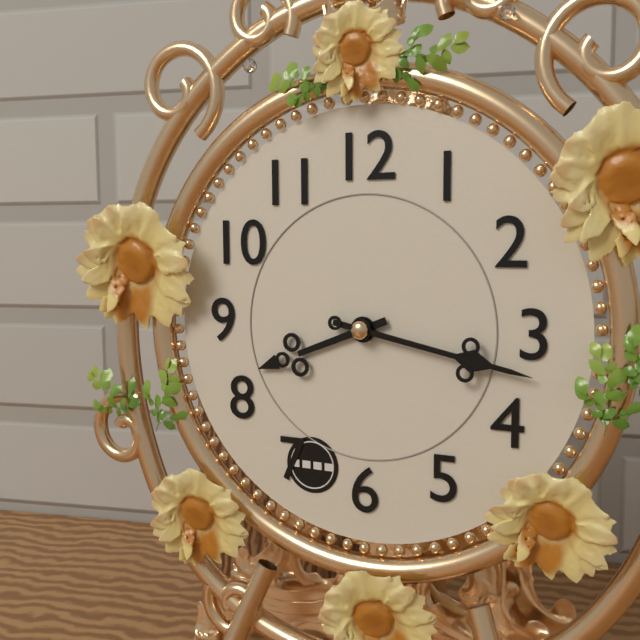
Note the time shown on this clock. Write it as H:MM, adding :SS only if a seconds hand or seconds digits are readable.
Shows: 8:17
